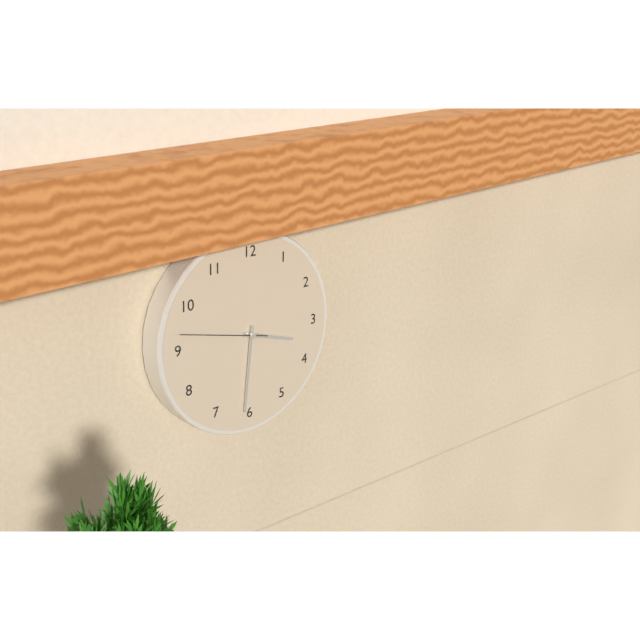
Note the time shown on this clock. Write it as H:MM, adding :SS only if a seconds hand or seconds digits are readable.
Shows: 3:31:47
